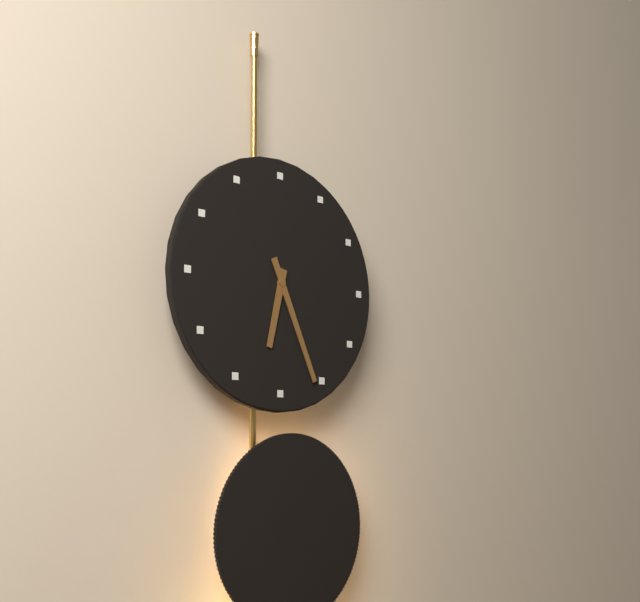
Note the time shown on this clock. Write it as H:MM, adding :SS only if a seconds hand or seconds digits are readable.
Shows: 6:26
